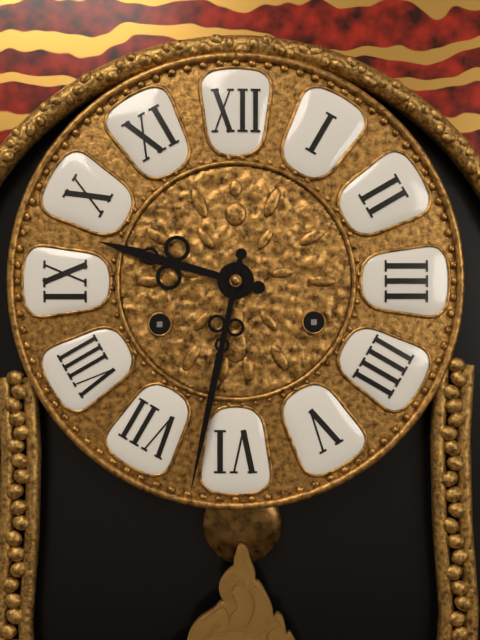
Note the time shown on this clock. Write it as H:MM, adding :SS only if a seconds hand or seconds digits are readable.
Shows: 9:32
